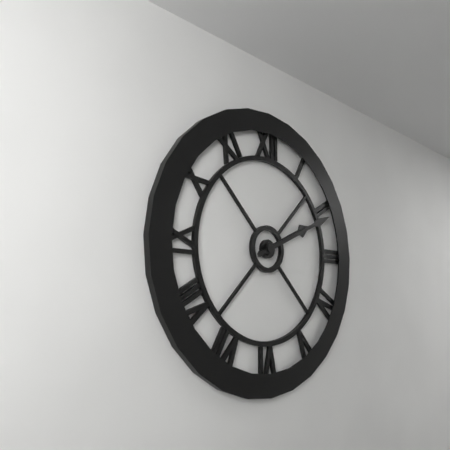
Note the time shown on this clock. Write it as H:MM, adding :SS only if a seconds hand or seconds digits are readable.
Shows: 2:11
